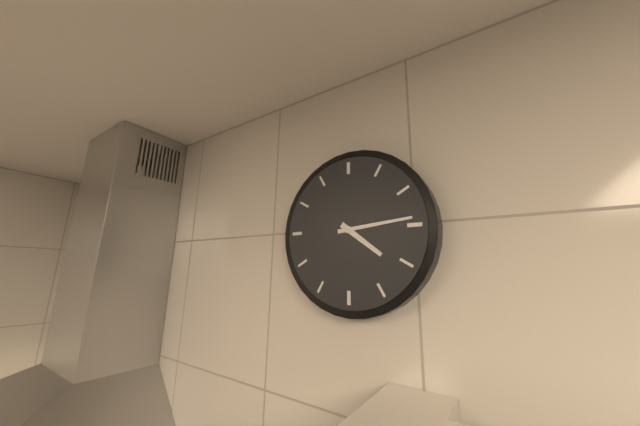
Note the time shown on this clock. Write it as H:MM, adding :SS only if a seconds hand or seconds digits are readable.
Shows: 4:14
